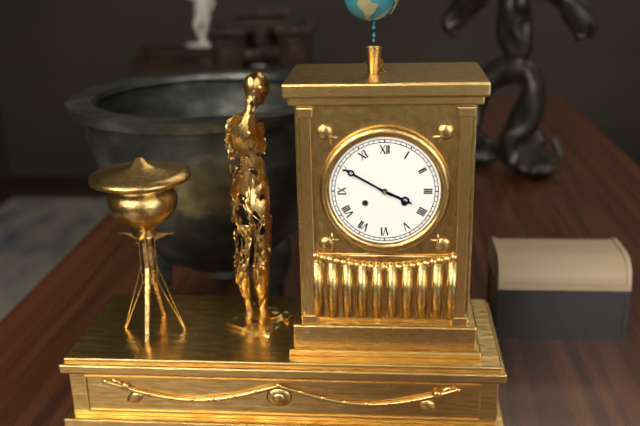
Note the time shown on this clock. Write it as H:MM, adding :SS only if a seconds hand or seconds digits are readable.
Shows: 3:50
